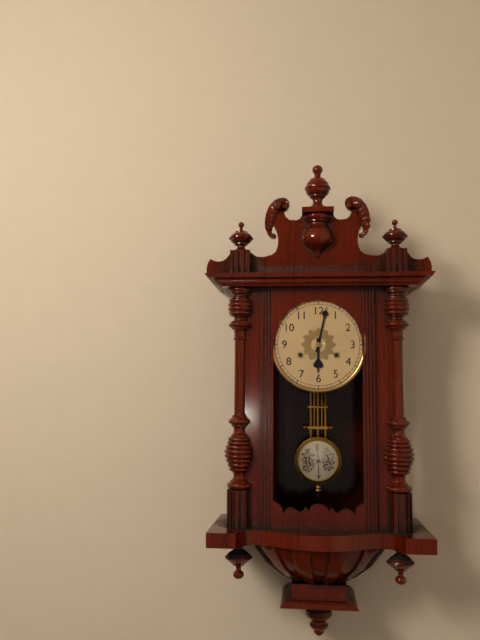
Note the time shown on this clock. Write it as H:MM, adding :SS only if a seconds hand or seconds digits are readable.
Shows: 6:02
